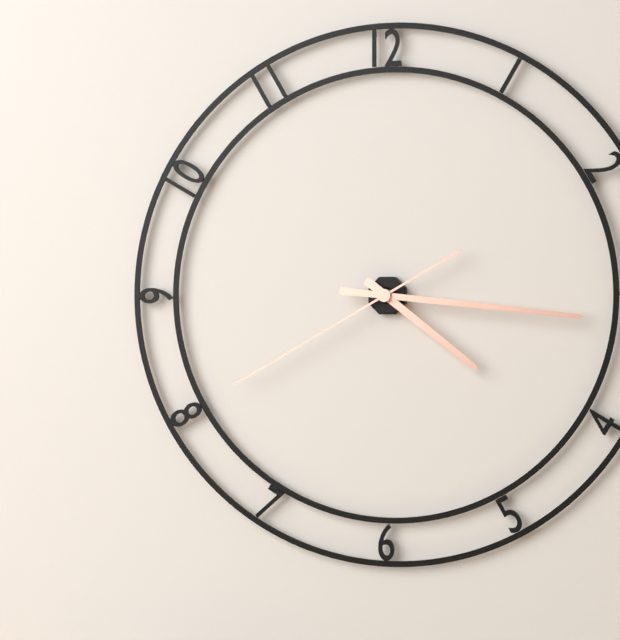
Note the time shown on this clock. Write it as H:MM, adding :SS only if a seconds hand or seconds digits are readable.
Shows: 4:16:40
